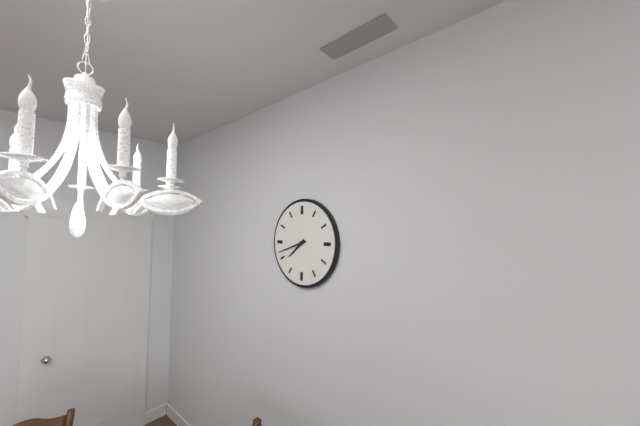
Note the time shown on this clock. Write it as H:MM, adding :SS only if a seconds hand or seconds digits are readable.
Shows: 7:42
